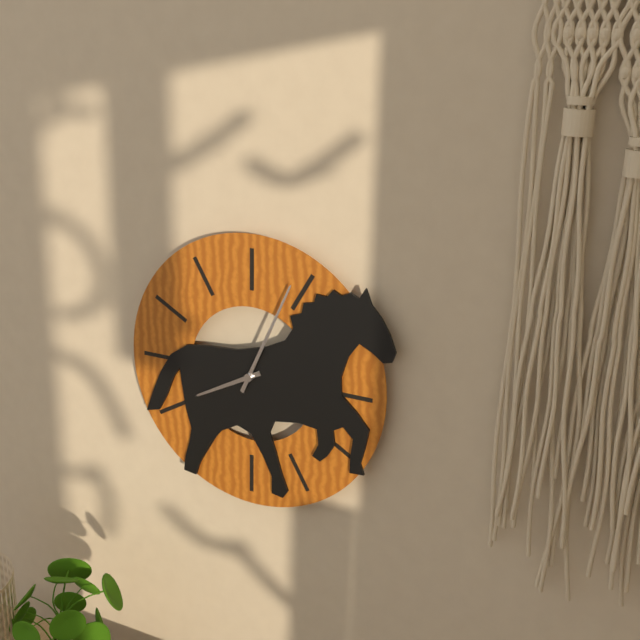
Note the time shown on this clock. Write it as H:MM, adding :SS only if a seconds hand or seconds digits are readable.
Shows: 8:04
